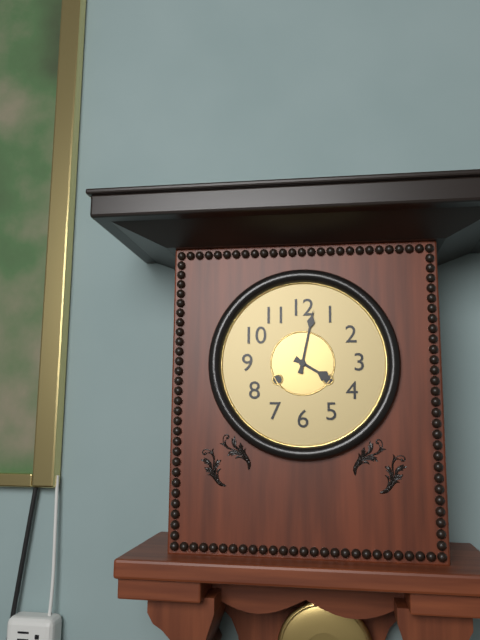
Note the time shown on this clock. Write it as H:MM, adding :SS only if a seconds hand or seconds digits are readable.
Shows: 4:02
